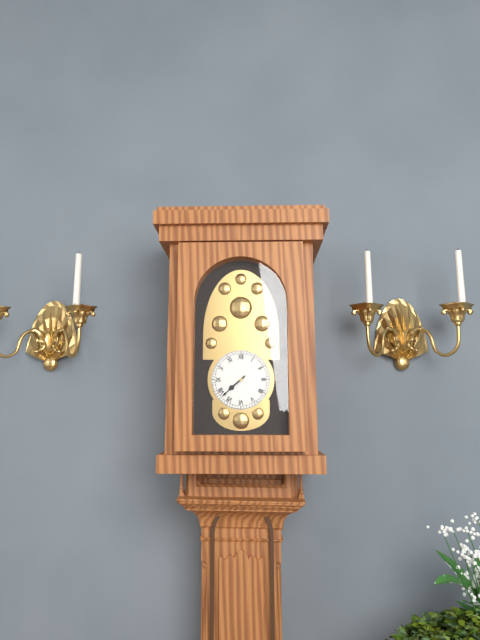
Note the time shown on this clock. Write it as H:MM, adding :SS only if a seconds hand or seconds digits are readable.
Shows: 7:38
